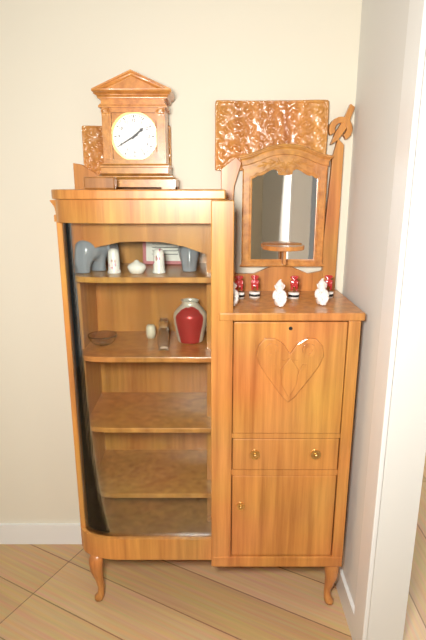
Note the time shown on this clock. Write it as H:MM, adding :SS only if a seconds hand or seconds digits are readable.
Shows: 1:40
